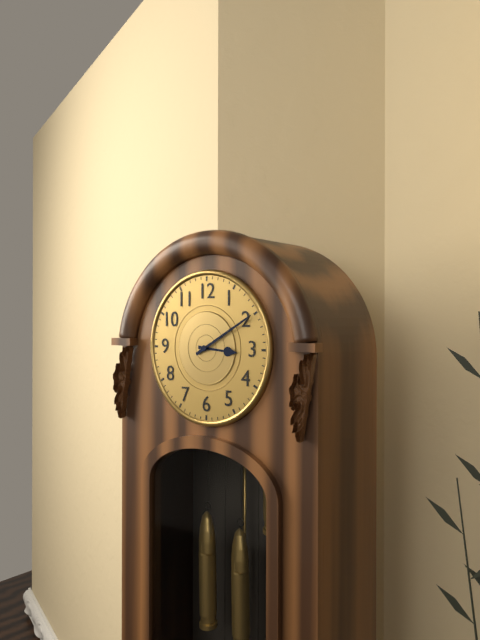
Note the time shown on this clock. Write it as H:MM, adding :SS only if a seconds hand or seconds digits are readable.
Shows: 3:10
